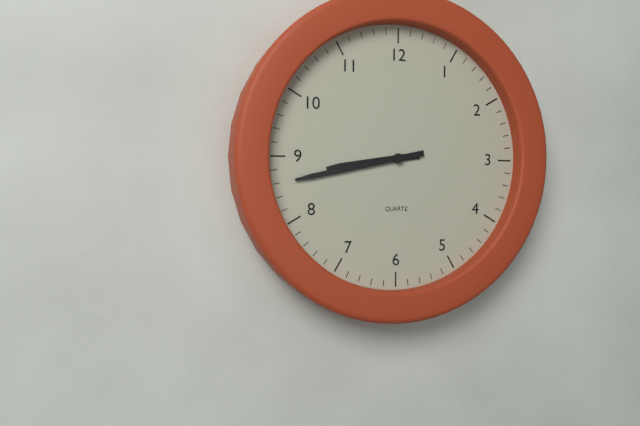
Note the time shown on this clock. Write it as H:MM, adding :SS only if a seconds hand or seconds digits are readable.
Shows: 8:43
